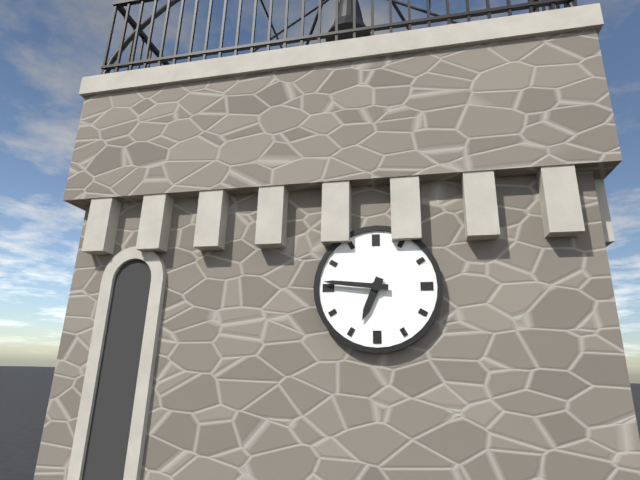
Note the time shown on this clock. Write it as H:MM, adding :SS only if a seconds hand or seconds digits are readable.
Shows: 6:46
